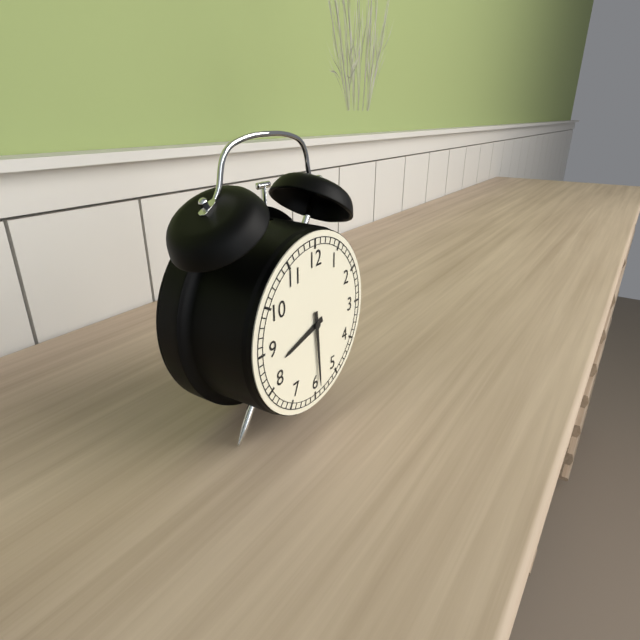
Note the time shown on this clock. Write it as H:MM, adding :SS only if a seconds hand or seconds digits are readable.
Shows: 8:29
